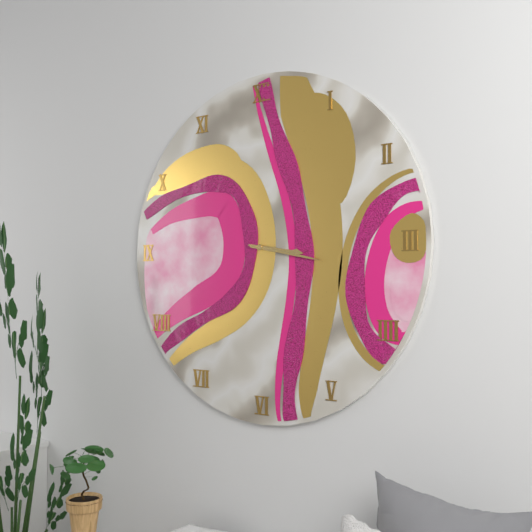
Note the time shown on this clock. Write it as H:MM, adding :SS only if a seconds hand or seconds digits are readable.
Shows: 3:17
